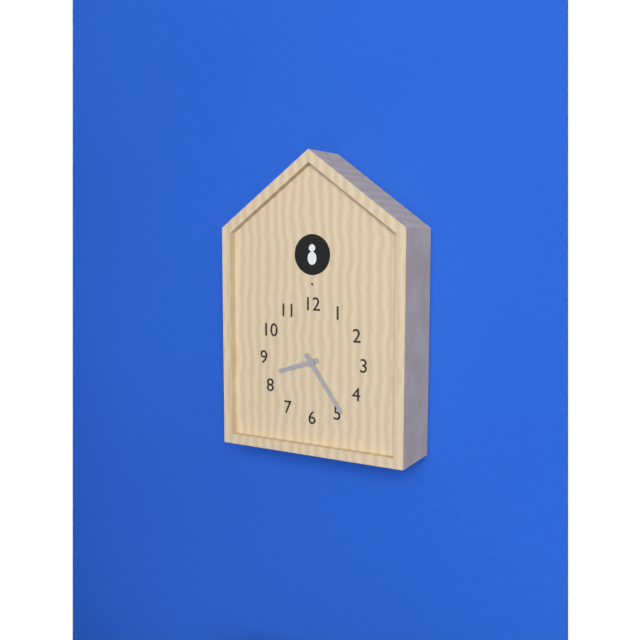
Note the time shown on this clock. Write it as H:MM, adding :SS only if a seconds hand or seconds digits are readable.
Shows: 8:24
